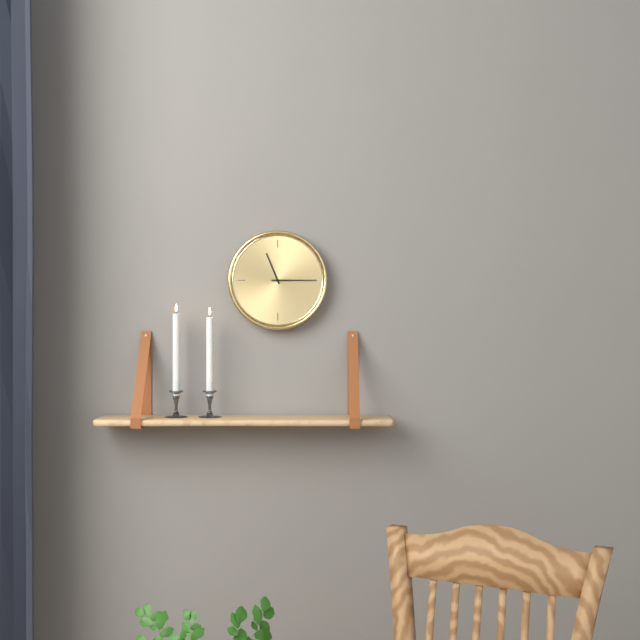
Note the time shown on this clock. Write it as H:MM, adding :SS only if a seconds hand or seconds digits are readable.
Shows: 11:15
